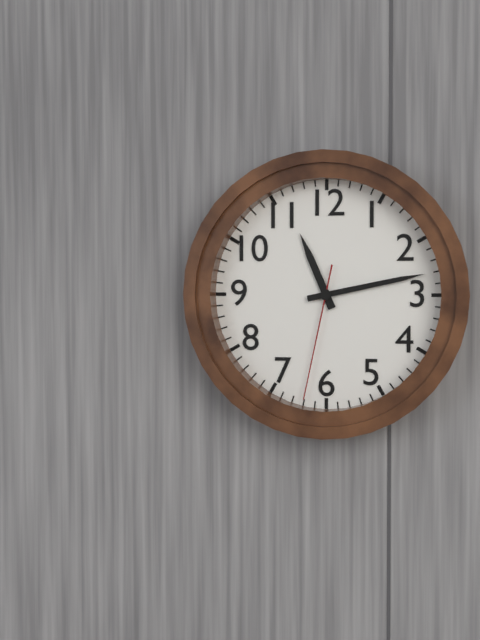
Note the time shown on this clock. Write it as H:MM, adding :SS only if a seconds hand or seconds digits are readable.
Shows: 11:13:32
